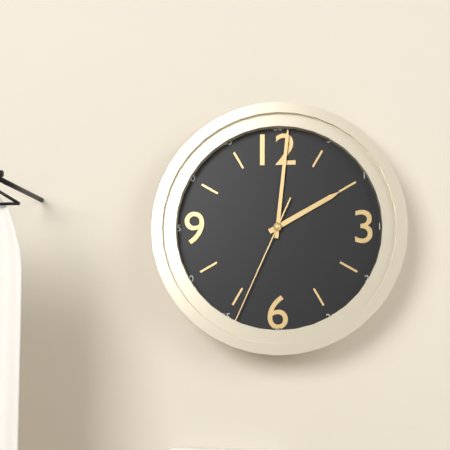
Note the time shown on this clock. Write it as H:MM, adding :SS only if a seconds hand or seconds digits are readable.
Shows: 2:01:34
